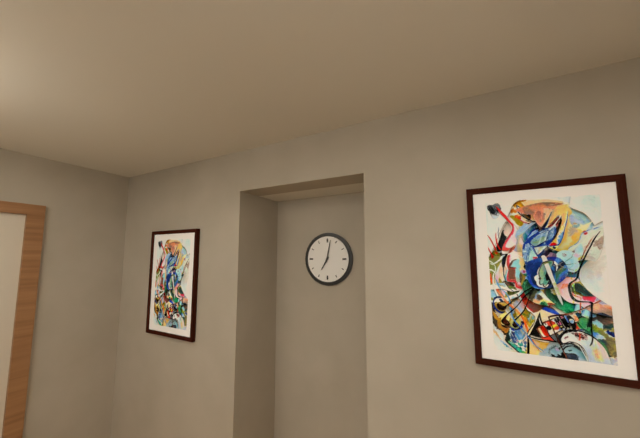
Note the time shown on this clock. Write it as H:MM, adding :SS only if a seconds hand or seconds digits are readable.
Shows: 7:02
